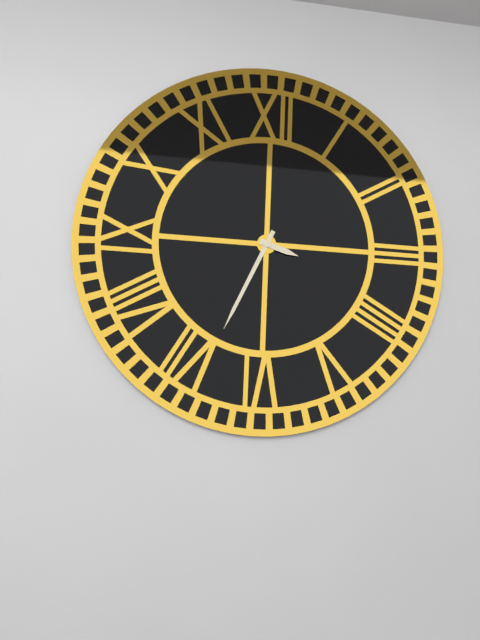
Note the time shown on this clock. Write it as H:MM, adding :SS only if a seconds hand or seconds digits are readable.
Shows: 3:34
